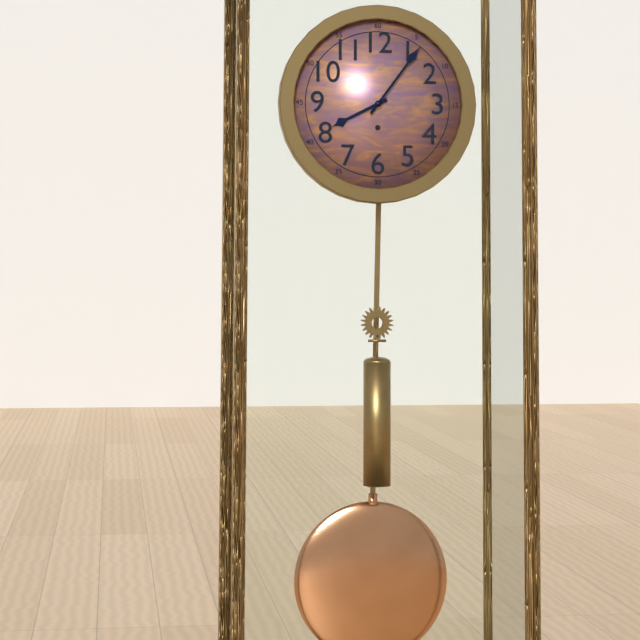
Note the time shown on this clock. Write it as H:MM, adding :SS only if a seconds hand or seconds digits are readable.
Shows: 8:06
